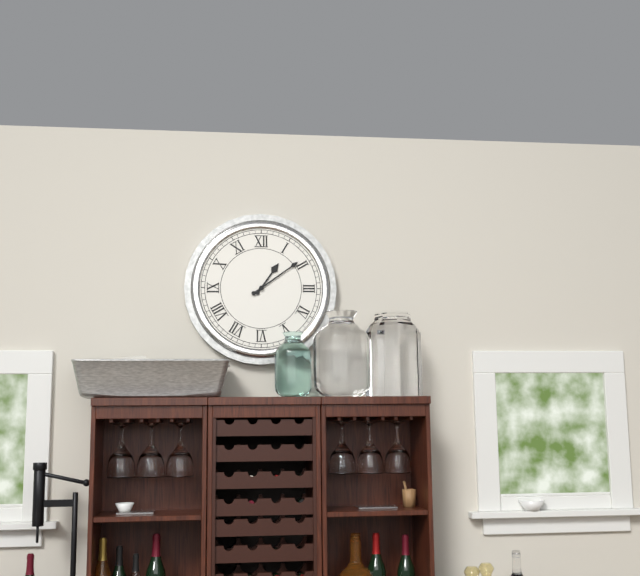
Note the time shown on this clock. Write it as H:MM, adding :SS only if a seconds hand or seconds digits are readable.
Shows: 1:09
